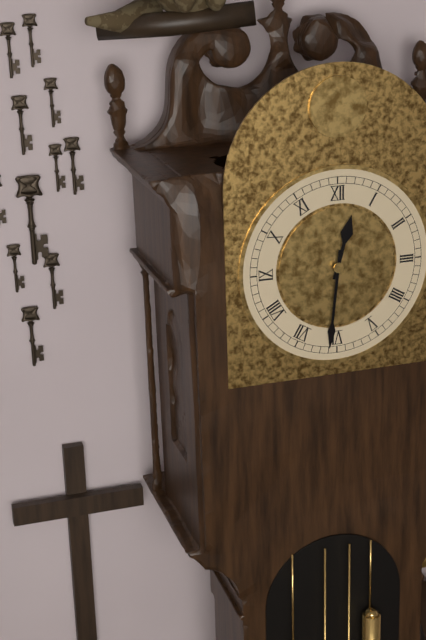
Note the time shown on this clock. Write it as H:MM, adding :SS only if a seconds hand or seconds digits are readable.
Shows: 12:31
